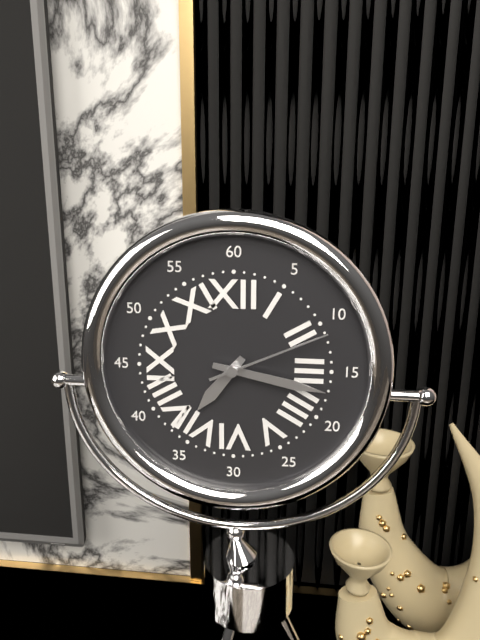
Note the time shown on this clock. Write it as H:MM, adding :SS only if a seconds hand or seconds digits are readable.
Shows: 7:17:11
